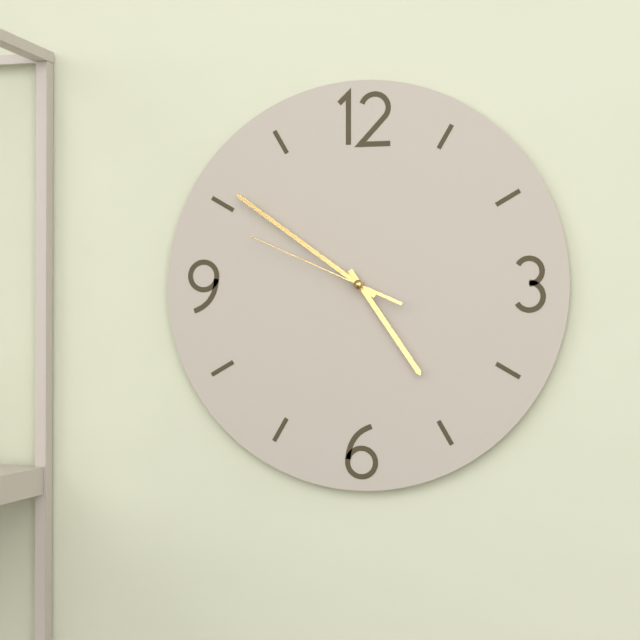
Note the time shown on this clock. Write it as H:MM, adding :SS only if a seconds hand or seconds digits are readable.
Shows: 4:51:49
